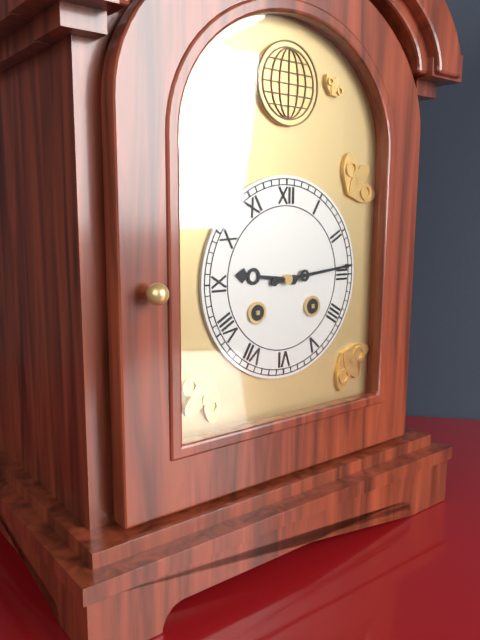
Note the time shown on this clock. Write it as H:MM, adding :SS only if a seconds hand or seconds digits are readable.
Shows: 9:14
